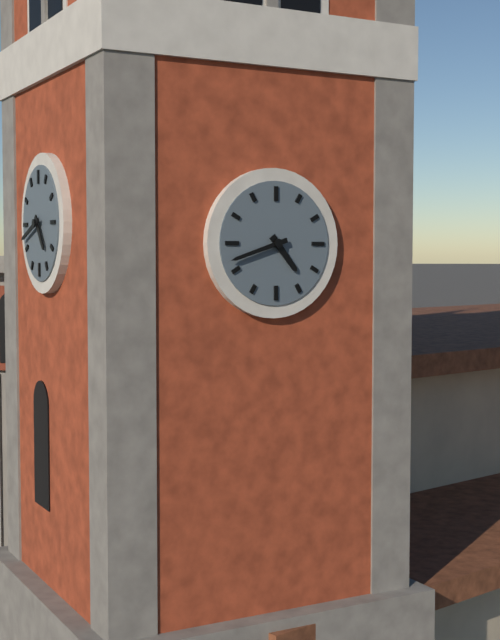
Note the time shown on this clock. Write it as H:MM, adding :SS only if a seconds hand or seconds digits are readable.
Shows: 4:42
